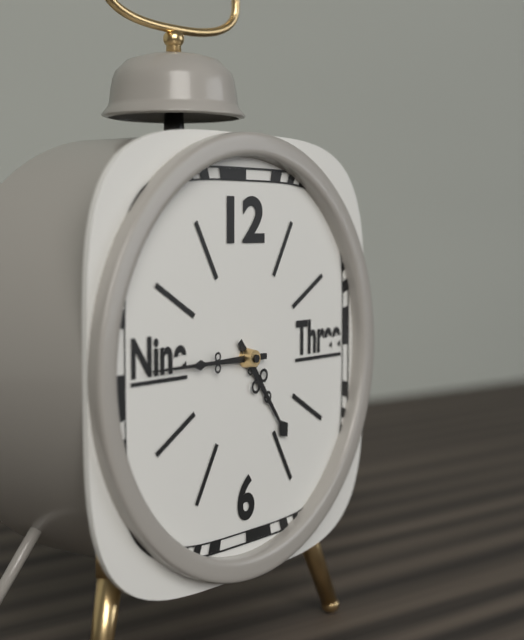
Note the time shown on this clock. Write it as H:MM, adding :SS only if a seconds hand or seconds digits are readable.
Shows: 4:45
